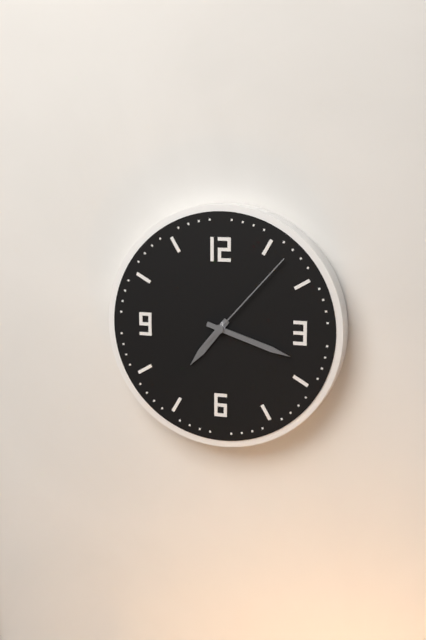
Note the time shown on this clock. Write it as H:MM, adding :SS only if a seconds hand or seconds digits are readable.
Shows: 7:18:07
